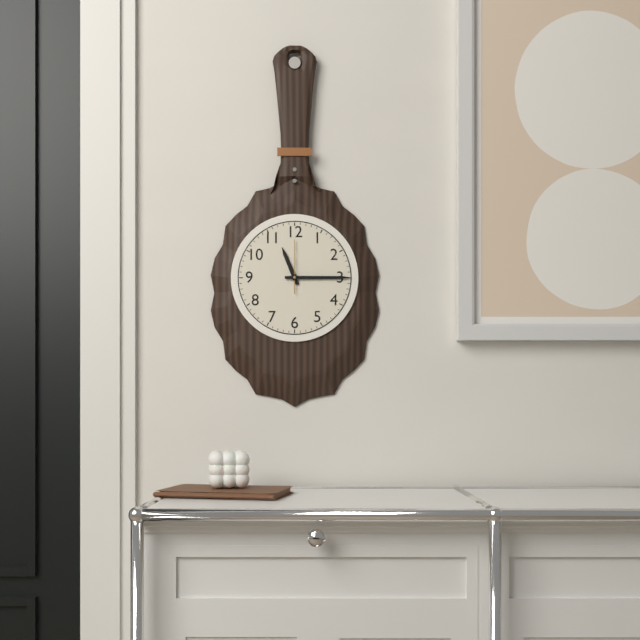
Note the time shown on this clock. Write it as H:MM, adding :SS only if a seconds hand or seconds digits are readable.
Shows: 11:15
